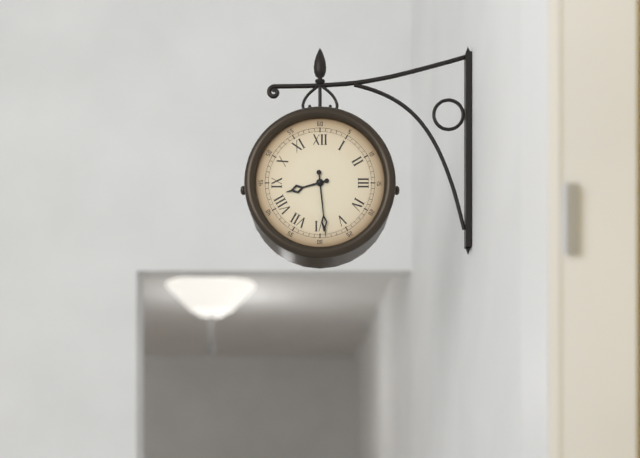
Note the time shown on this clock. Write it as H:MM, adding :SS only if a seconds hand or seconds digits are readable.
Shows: 8:29
